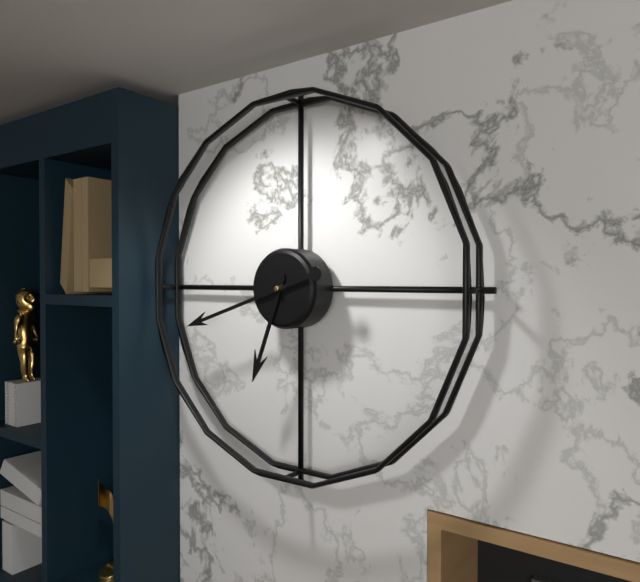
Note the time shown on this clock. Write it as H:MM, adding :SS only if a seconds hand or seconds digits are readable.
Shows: 6:42
